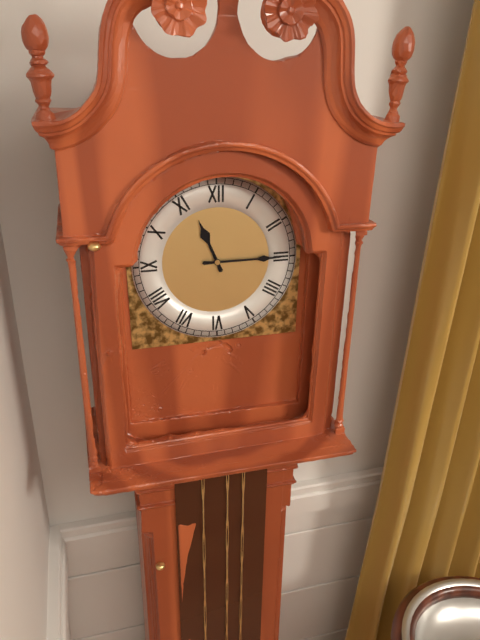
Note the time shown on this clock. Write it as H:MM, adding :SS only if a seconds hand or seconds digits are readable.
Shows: 11:15
